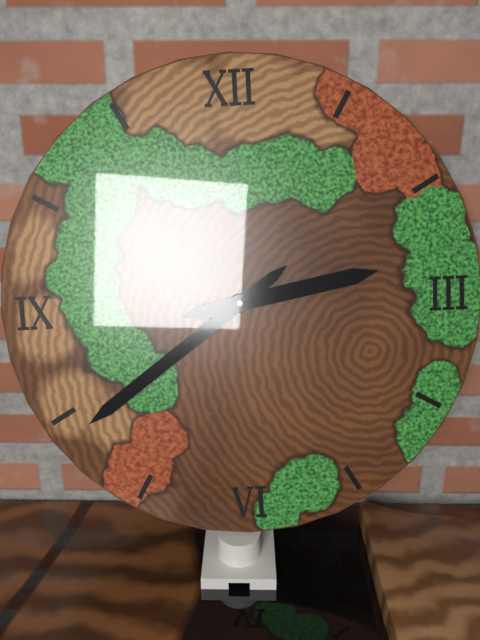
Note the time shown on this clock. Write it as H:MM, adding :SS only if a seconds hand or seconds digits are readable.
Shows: 2:39
